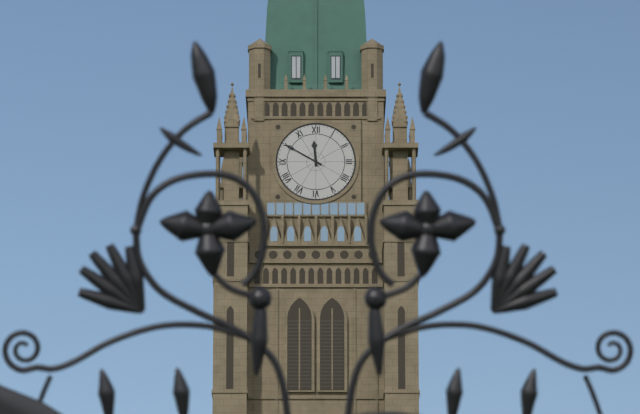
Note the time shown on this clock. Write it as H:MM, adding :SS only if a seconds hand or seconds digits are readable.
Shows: 11:50
